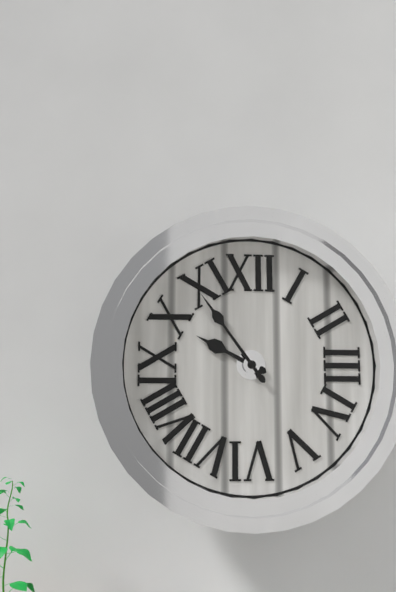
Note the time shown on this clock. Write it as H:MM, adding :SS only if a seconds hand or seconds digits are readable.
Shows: 9:54
